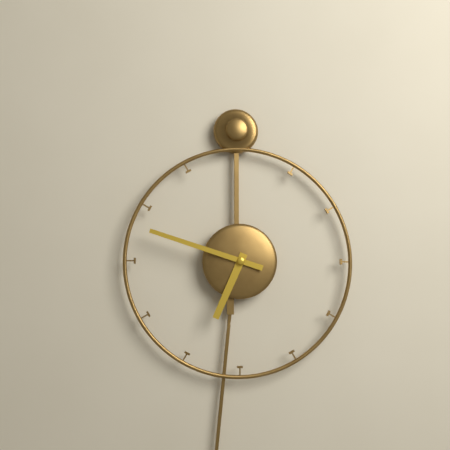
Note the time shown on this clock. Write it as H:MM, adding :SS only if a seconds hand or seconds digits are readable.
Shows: 6:48
